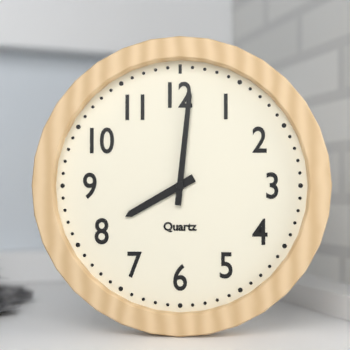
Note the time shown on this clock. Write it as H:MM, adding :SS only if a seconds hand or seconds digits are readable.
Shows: 8:01
